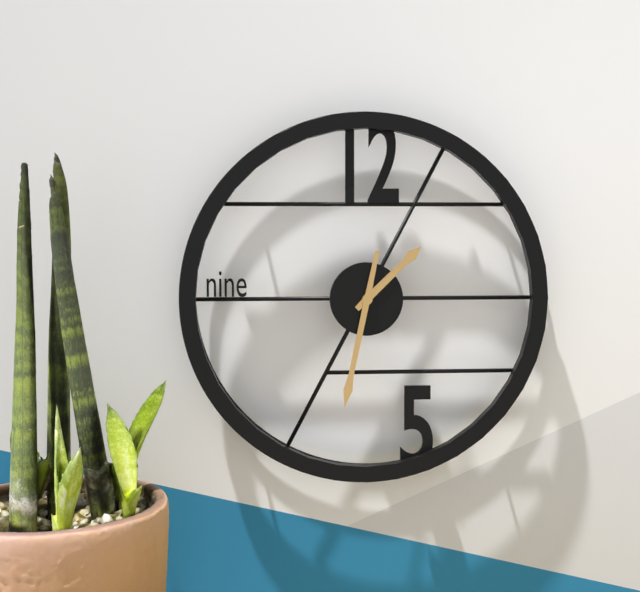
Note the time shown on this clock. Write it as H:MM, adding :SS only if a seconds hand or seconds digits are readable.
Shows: 1:32
